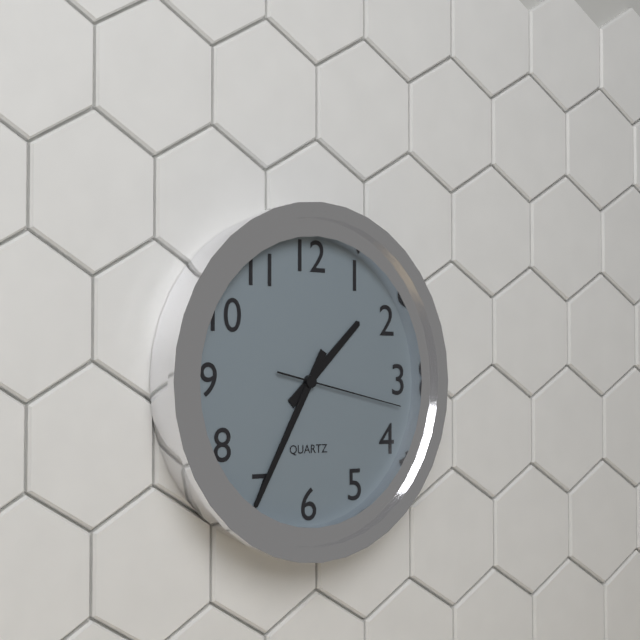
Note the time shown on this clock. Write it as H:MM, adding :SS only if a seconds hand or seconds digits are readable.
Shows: 1:35:17
